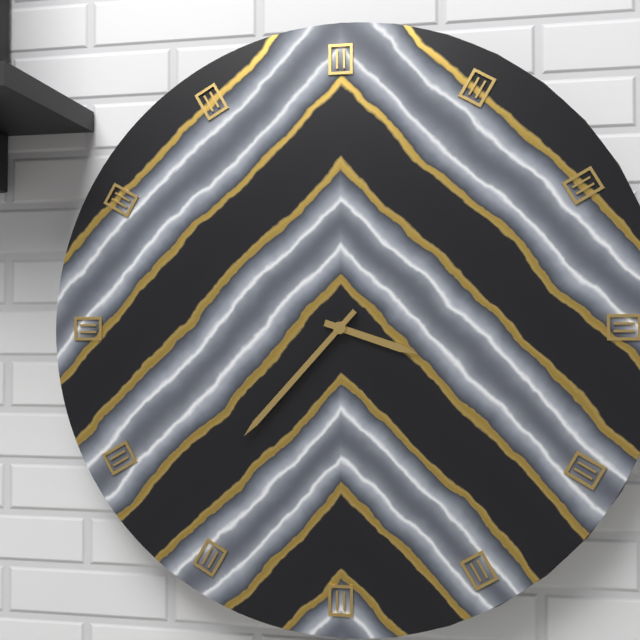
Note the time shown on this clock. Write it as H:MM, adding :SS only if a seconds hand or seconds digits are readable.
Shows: 3:37
